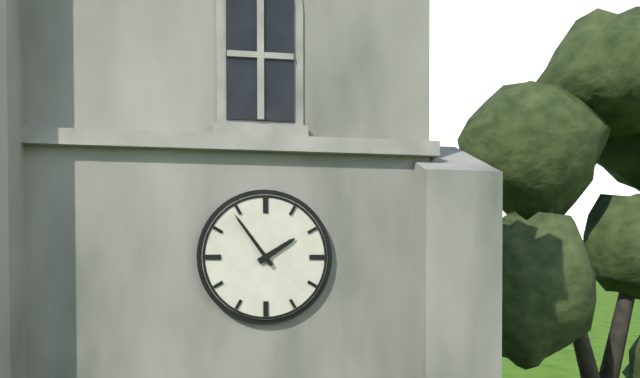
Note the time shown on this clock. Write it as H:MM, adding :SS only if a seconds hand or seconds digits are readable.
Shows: 1:54
